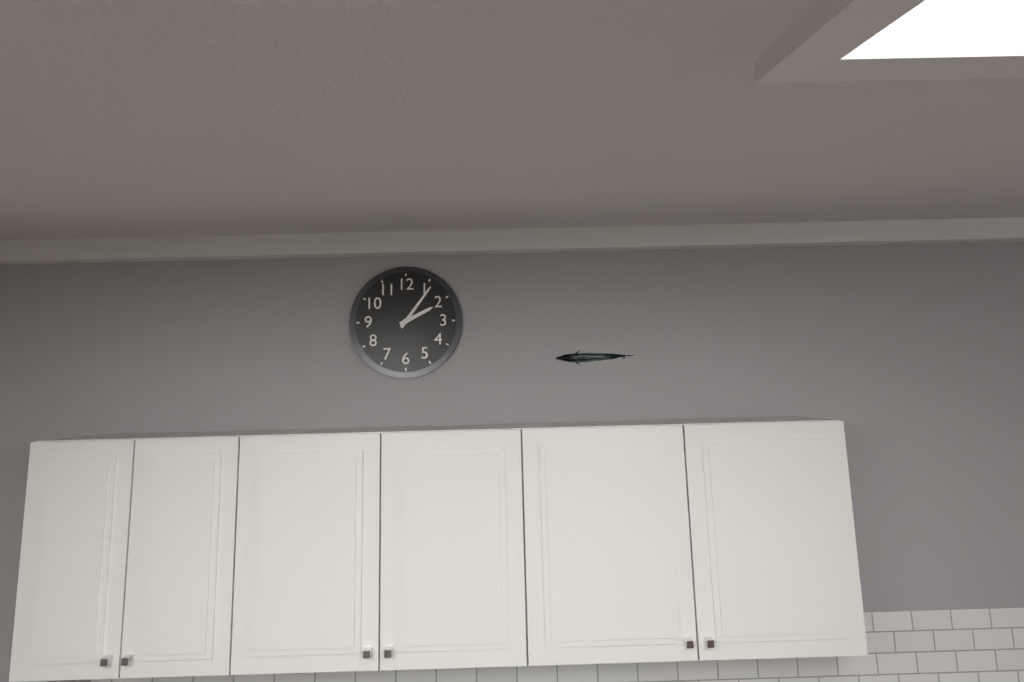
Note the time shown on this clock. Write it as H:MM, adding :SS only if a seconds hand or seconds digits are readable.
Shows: 2:06
